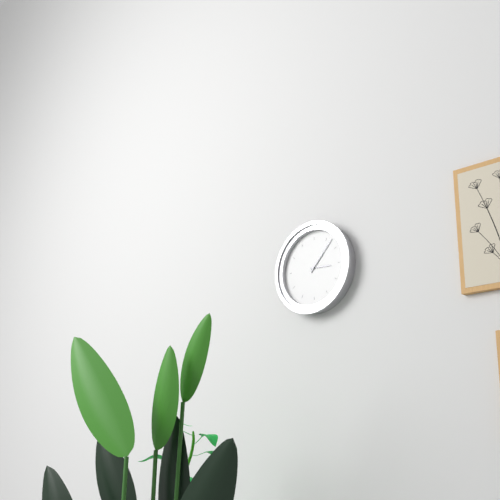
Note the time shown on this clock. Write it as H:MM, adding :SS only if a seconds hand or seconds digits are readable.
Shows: 3:07
